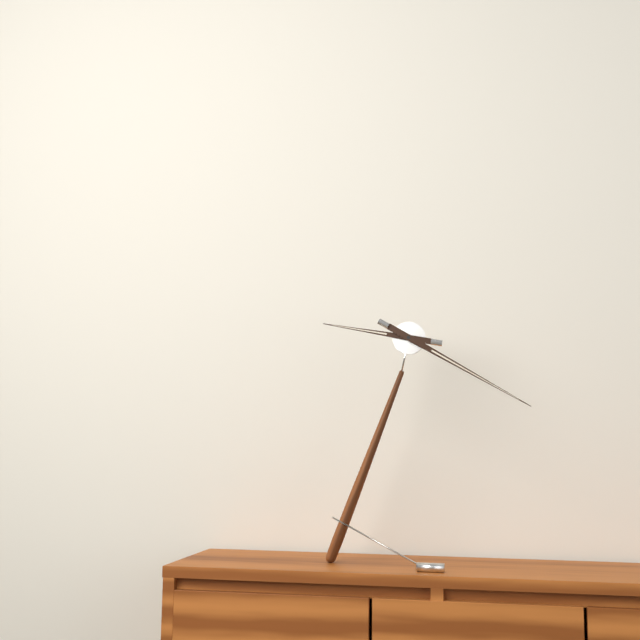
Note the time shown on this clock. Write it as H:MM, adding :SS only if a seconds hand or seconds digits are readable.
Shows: 9:20
